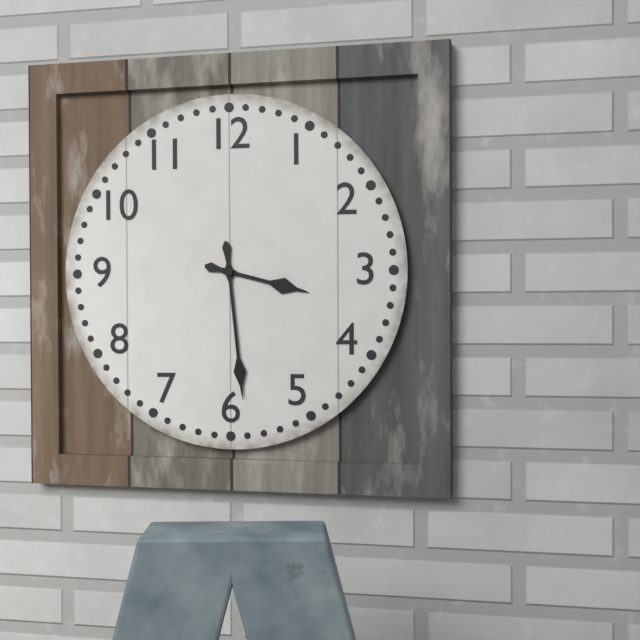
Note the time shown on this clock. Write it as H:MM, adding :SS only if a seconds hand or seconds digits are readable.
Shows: 3:29
